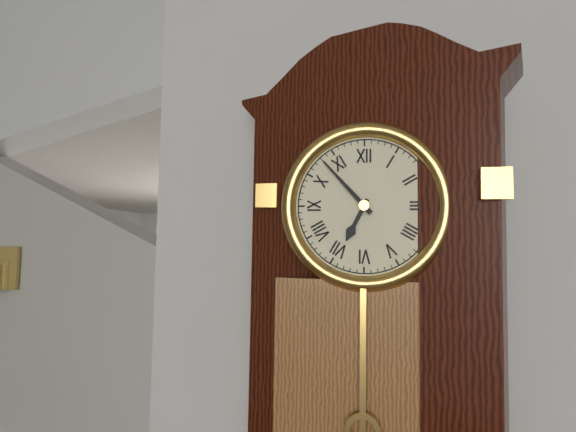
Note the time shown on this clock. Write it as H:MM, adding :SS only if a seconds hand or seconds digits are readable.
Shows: 6:53
